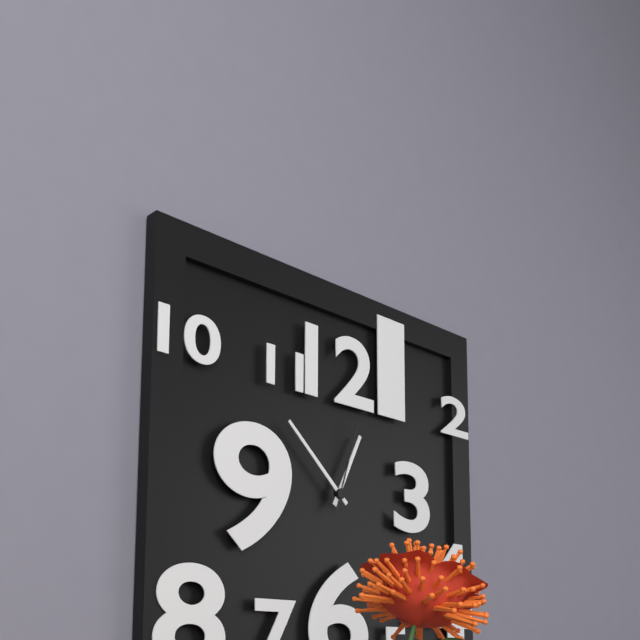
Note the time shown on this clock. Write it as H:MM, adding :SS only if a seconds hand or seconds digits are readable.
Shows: 12:52:03
